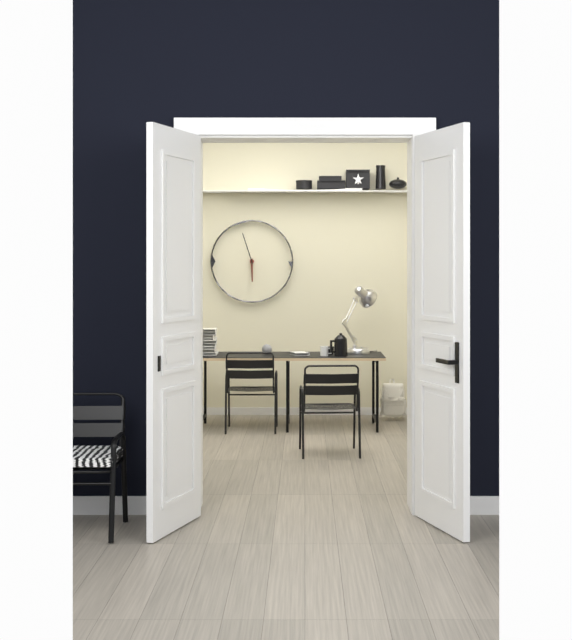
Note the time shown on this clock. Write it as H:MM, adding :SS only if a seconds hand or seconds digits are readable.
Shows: 5:57
